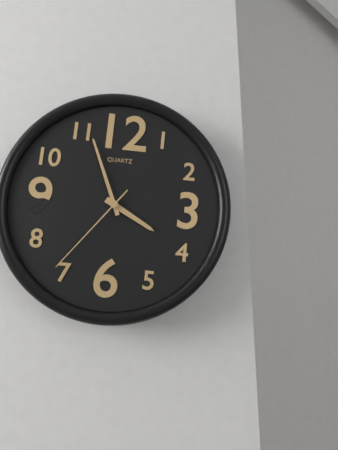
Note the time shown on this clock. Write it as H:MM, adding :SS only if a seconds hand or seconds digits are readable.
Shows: 3:56:36
